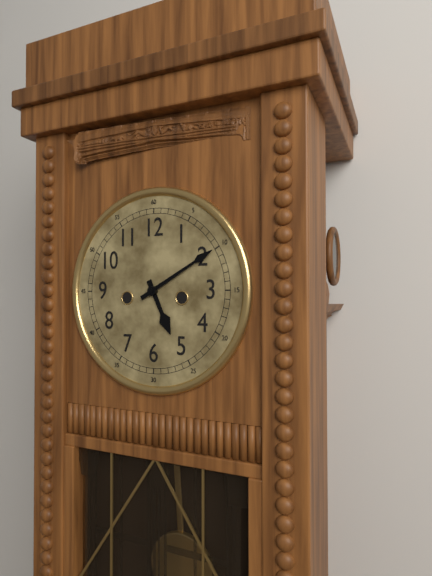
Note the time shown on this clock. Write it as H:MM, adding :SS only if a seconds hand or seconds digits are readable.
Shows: 5:10
